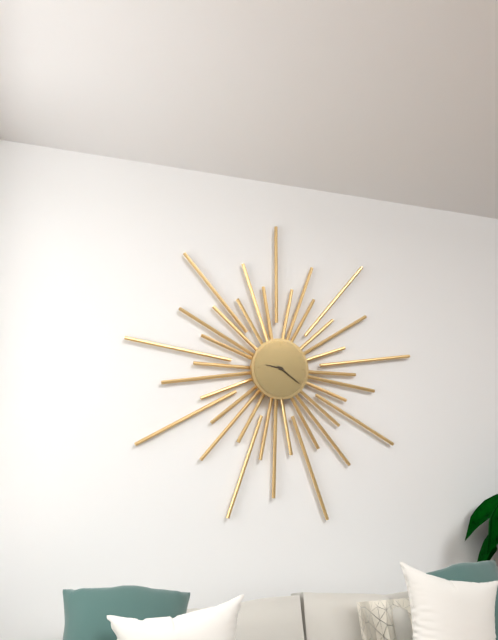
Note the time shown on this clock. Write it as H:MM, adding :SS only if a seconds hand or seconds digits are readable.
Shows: 9:21
